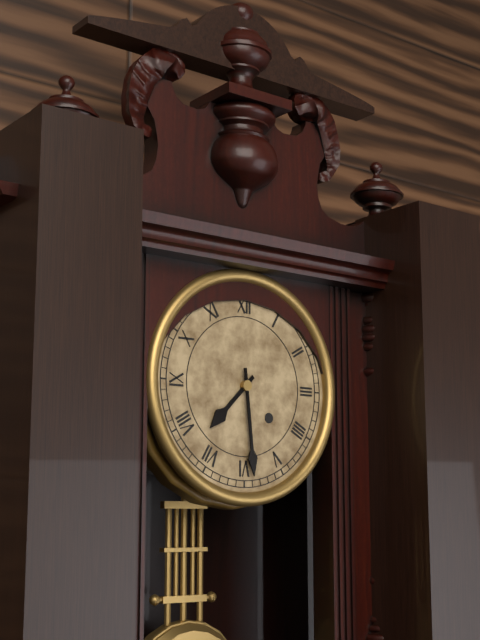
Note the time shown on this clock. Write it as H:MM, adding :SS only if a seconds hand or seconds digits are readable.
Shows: 7:29
